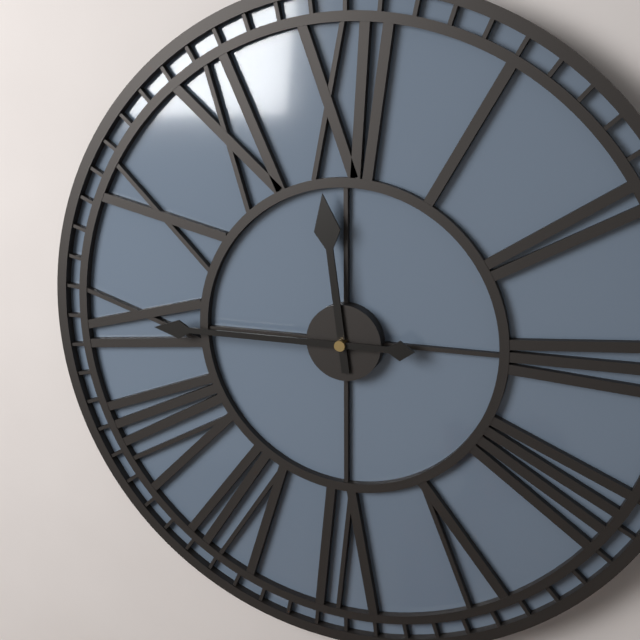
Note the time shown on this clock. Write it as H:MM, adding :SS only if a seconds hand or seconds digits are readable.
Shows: 11:45
